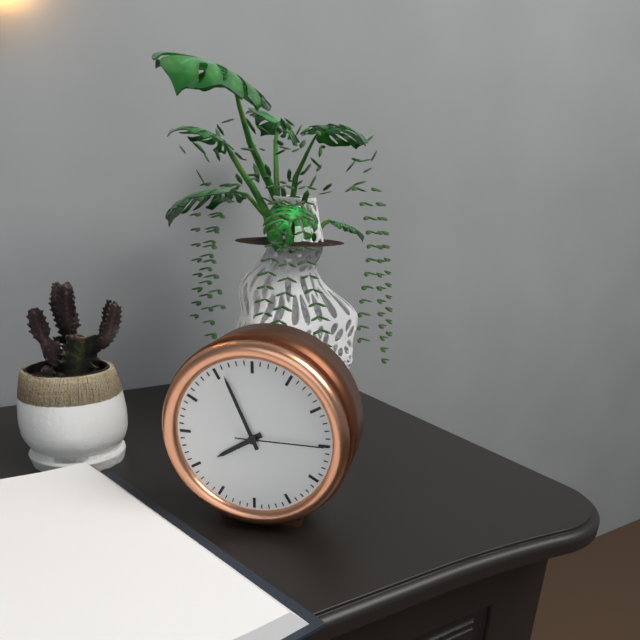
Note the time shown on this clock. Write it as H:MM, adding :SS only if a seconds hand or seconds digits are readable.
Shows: 7:56:15
